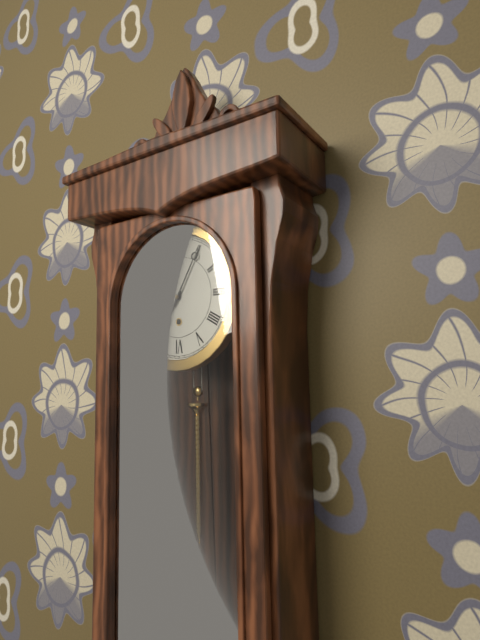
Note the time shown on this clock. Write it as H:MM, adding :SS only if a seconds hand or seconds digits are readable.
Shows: 7:05
